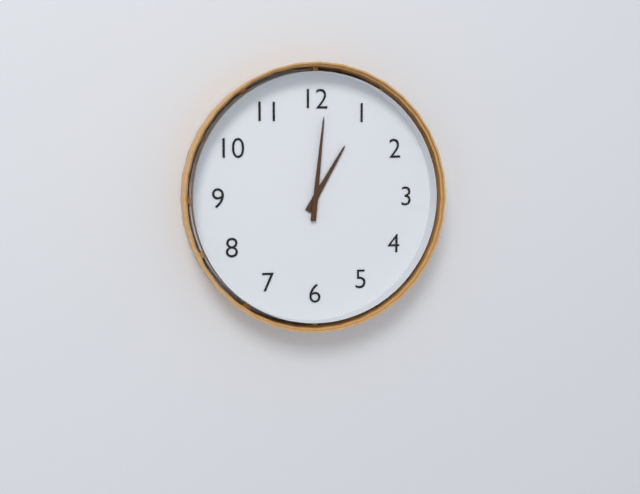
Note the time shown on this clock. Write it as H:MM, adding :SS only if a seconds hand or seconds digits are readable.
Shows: 1:01
